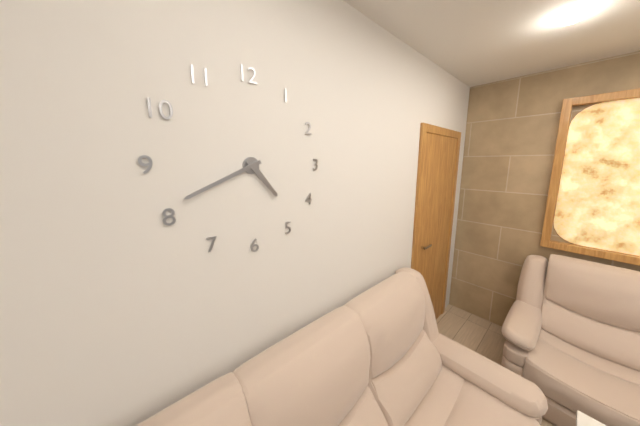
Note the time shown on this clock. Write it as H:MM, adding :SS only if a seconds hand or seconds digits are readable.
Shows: 4:41
